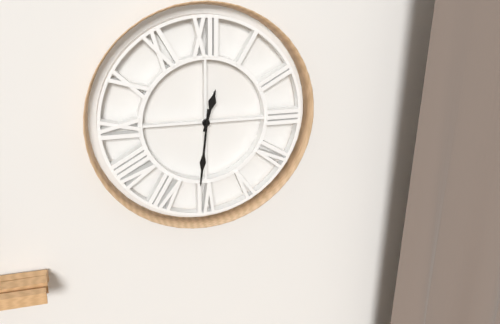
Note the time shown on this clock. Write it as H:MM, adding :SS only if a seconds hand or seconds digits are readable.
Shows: 12:31
